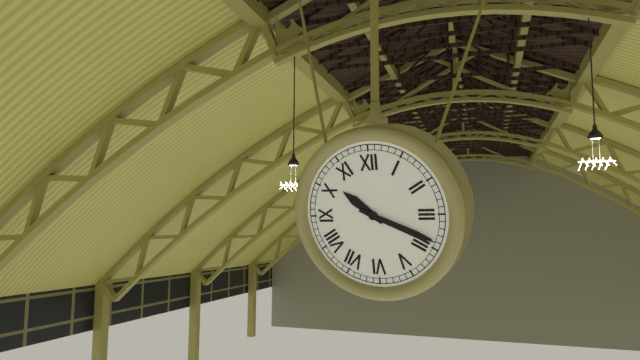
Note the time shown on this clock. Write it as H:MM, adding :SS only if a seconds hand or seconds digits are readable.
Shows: 10:19
